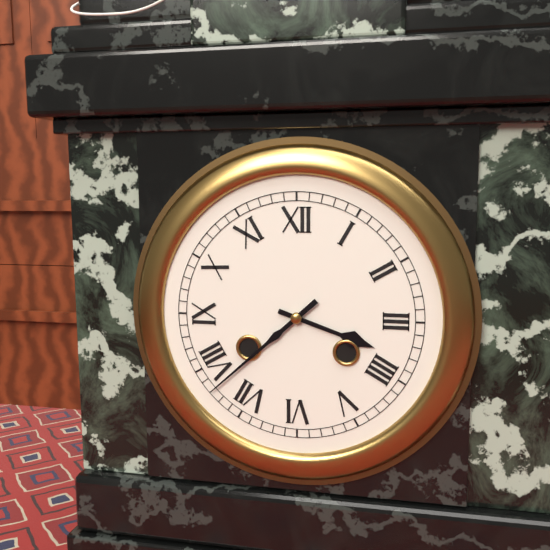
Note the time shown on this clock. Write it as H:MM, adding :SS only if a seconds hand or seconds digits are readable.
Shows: 3:38
